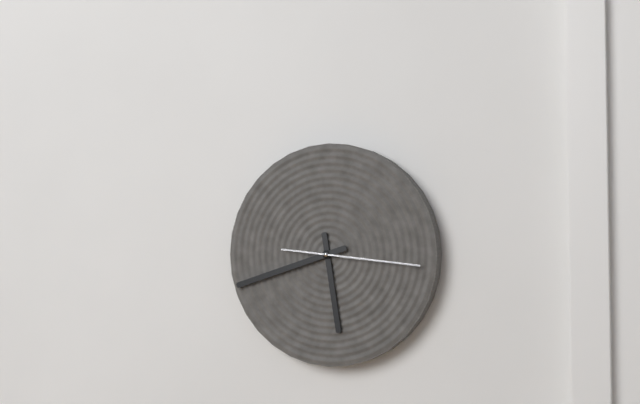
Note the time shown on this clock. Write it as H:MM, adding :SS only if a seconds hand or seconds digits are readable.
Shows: 5:42:16
